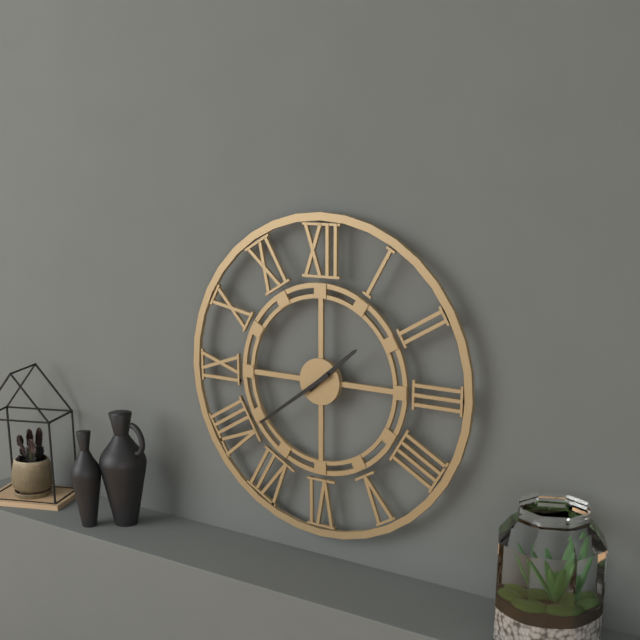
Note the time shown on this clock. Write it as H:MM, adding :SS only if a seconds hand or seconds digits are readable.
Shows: 1:39
